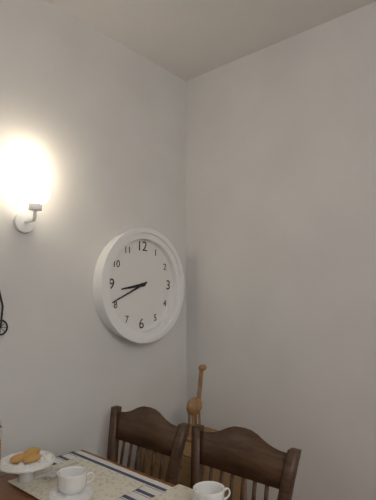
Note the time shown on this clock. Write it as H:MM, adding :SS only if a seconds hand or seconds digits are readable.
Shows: 8:41
